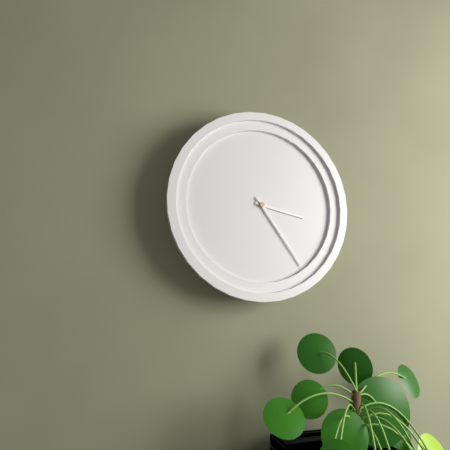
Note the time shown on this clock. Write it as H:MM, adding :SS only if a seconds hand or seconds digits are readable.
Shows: 3:24
